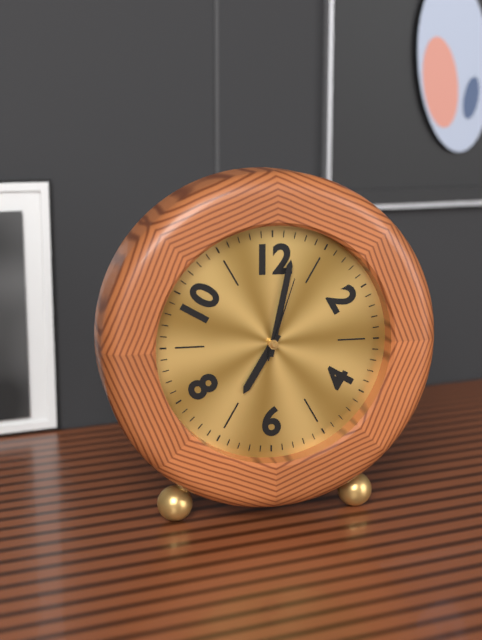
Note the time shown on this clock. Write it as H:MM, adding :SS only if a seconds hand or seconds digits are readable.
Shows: 7:02:03
